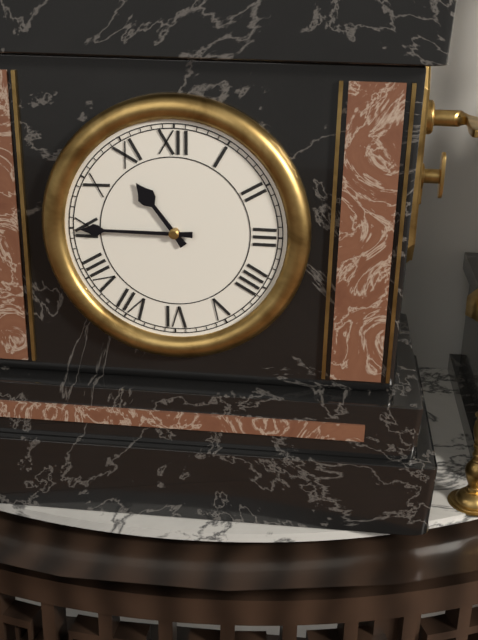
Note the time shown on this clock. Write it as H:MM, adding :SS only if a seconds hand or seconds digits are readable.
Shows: 10:45
